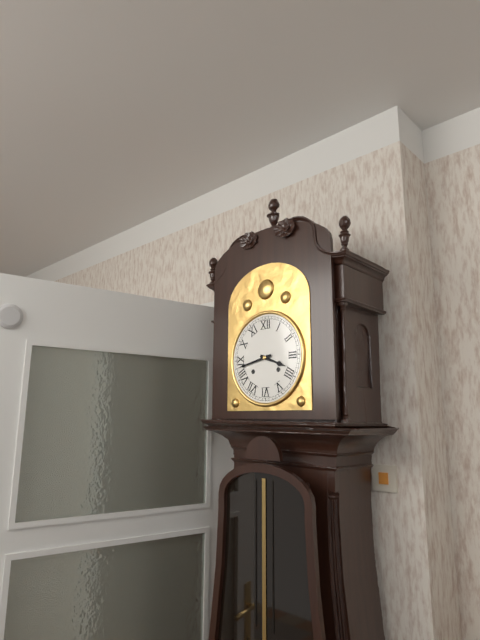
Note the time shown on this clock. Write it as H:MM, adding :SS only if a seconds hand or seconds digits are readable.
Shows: 3:43
